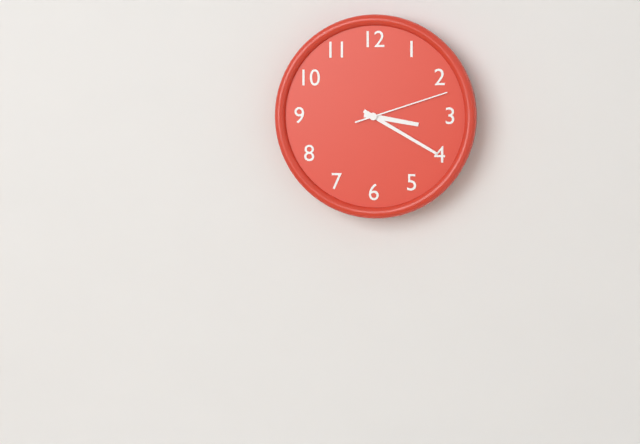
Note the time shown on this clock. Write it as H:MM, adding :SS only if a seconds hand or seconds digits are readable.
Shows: 3:20:12
